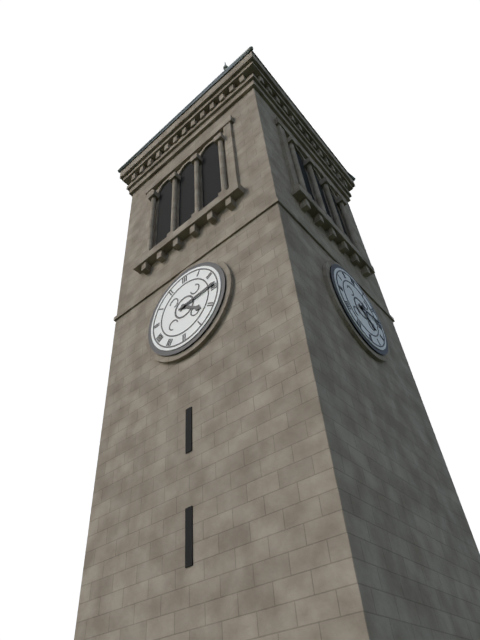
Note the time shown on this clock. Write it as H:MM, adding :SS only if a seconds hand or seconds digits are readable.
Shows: 4:14
